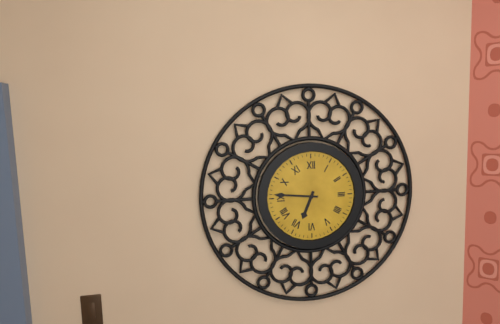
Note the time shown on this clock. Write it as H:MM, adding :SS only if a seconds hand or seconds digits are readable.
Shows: 6:46
